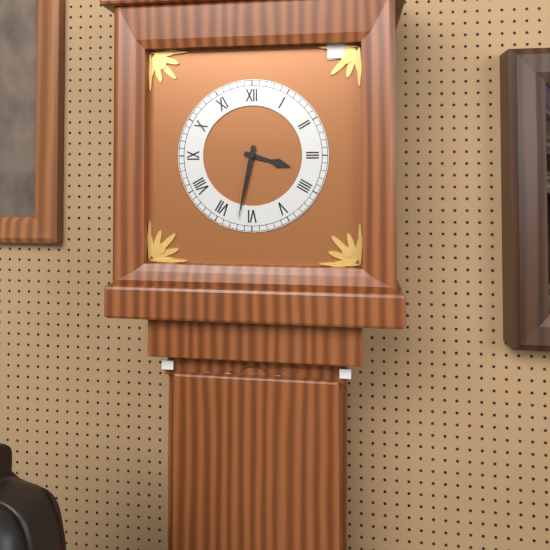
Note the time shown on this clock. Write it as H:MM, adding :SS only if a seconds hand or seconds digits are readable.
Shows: 3:32
